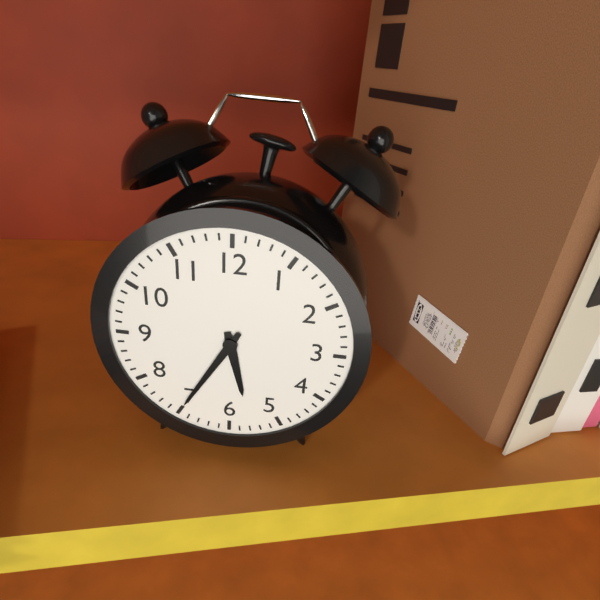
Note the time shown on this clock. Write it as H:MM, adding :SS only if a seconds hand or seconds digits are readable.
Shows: 5:35
